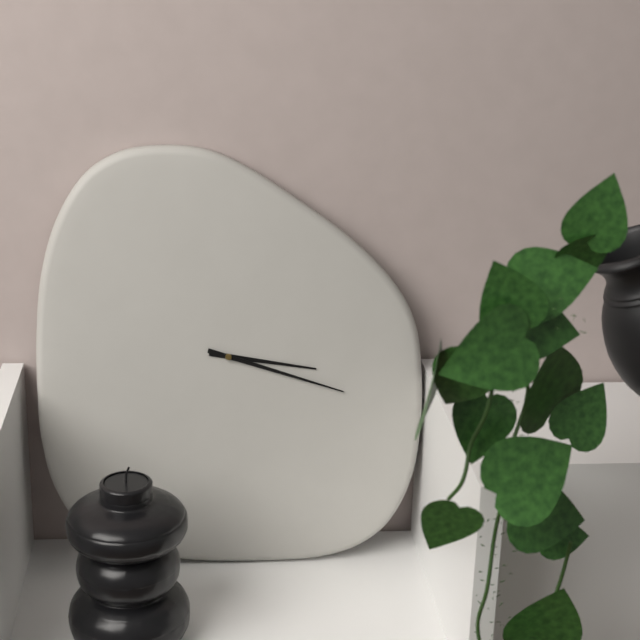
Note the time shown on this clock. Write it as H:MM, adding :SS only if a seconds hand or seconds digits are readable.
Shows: 3:18
